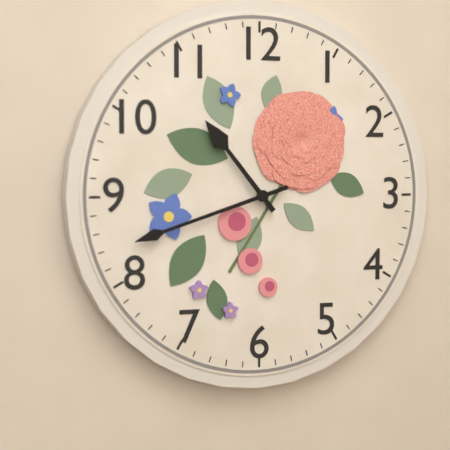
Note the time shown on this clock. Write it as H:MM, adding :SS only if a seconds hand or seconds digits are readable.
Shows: 10:42
